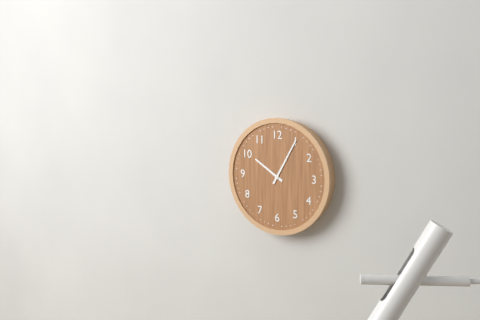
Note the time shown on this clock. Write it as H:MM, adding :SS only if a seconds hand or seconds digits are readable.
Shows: 10:05
